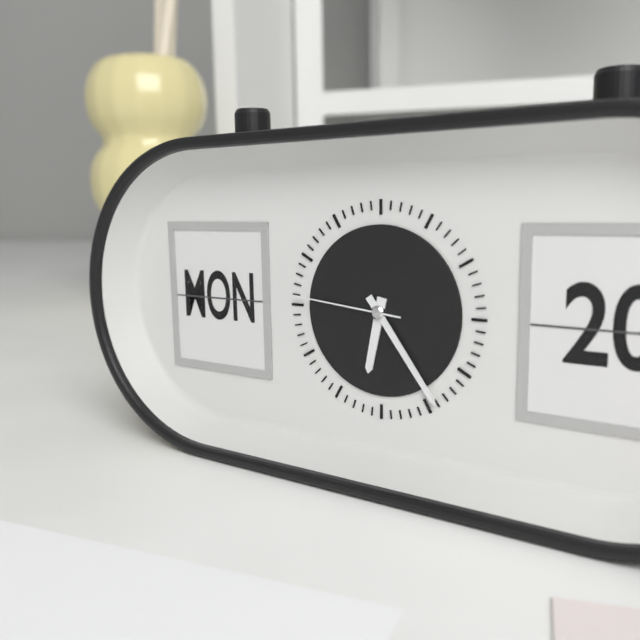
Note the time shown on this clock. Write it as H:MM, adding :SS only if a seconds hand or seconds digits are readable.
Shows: 6:24:46
